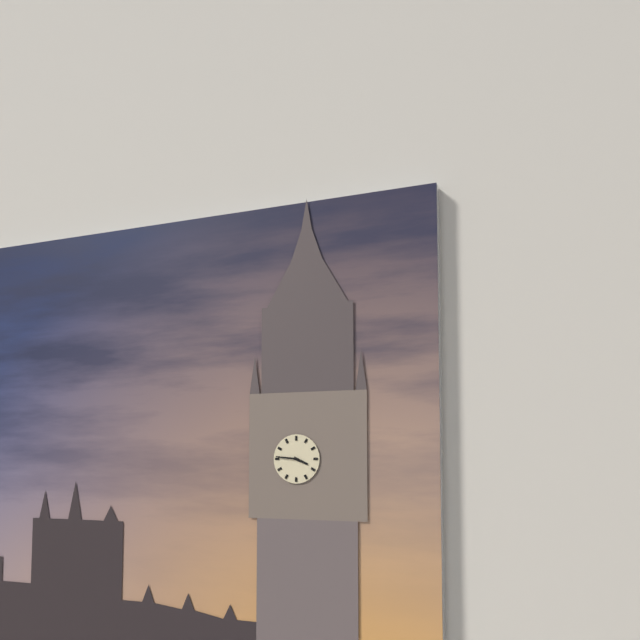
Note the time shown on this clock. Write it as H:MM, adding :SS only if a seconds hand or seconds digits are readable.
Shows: 3:46
